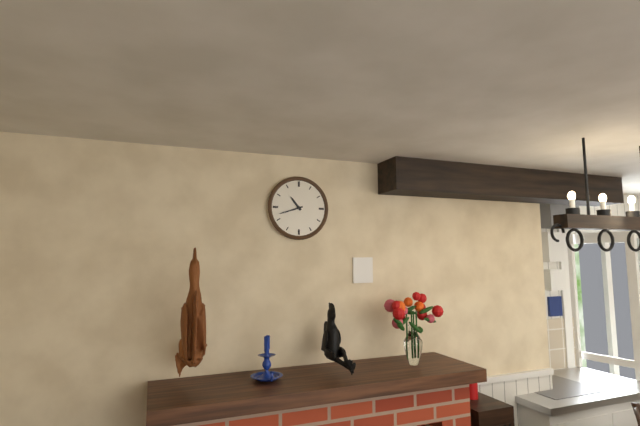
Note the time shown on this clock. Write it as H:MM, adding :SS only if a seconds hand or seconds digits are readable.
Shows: 10:42
